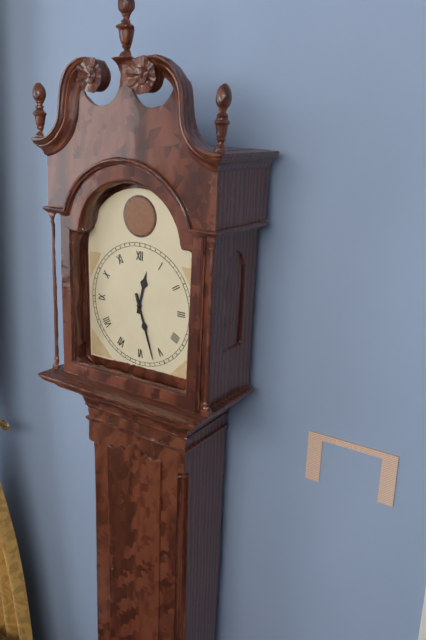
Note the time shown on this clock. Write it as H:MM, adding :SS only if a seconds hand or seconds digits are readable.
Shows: 12:27
